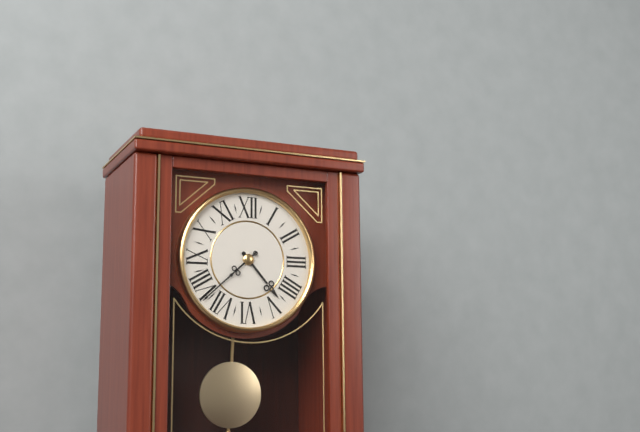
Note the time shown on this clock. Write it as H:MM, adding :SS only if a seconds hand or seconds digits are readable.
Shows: 4:38
